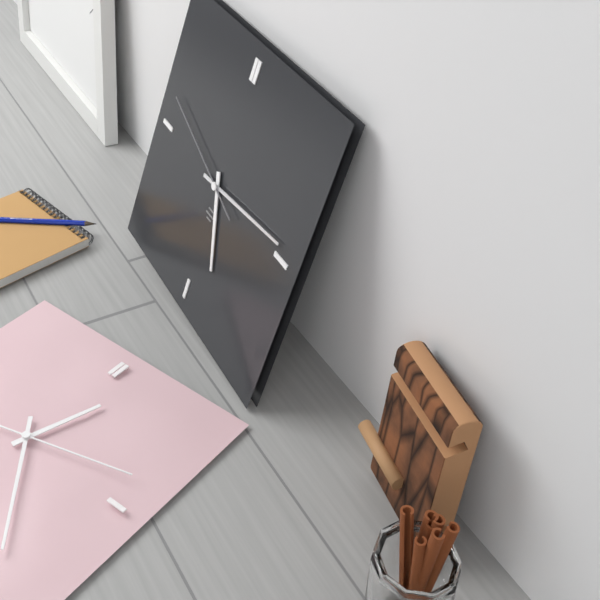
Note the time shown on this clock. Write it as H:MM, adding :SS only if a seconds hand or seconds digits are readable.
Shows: 5:14:48
